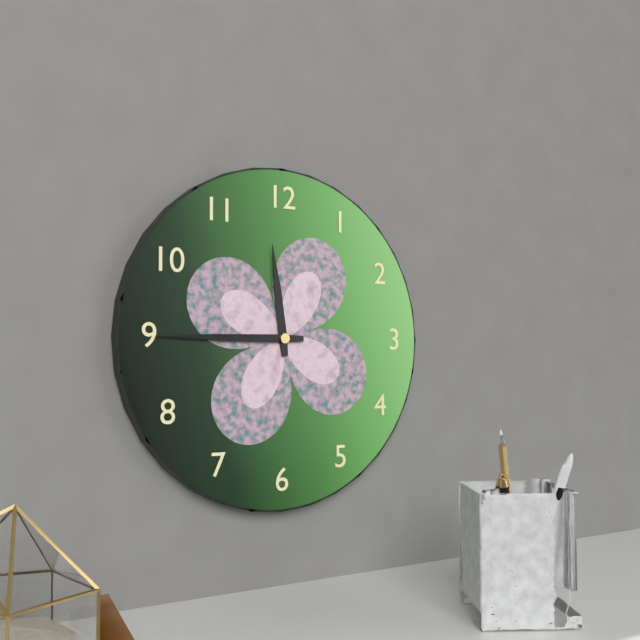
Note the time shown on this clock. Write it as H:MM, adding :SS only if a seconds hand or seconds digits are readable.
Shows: 11:45
